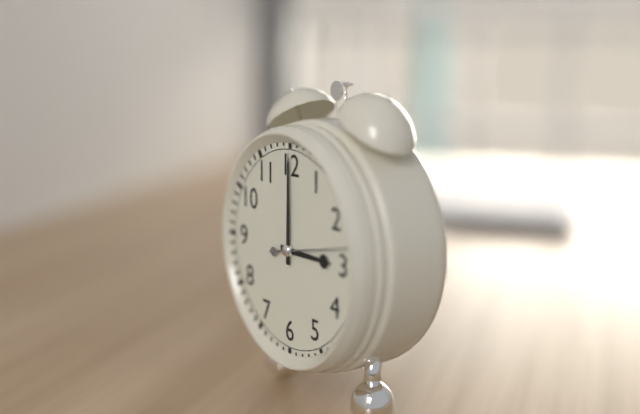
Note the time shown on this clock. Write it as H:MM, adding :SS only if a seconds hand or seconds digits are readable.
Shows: 3:00:13
